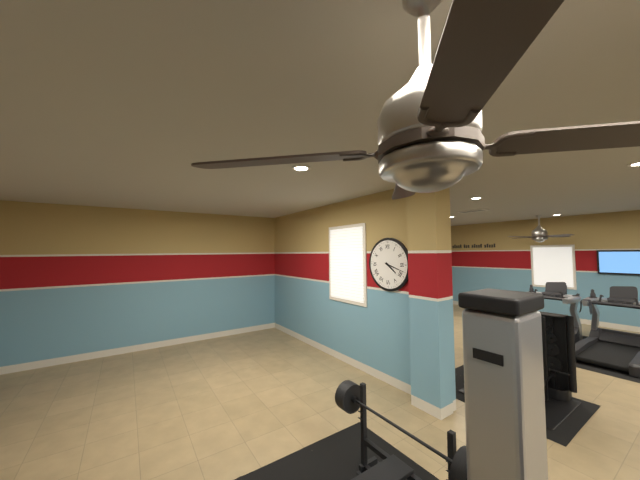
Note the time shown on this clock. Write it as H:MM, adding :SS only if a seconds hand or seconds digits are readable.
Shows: 4:18
